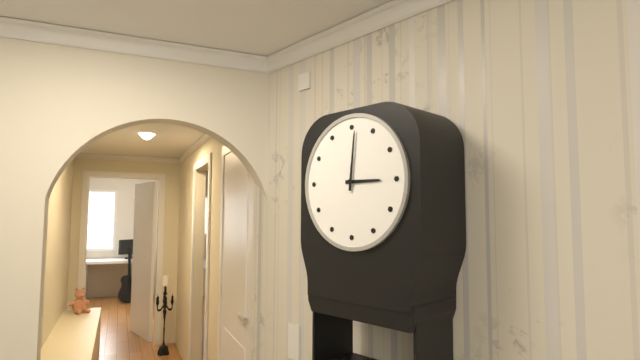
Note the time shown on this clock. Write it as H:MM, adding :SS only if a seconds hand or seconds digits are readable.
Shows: 3:01
